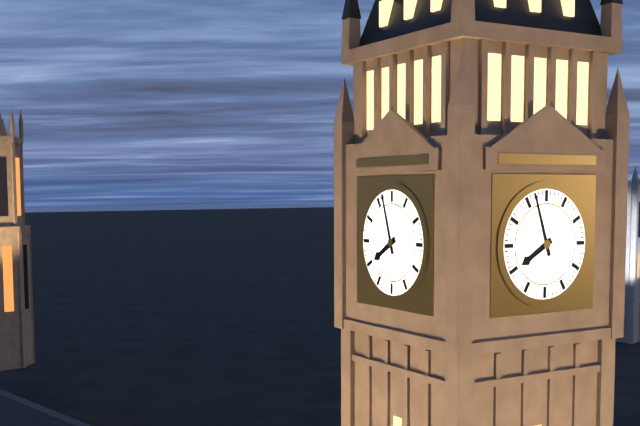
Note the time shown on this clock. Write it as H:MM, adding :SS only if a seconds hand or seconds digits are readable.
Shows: 7:57
